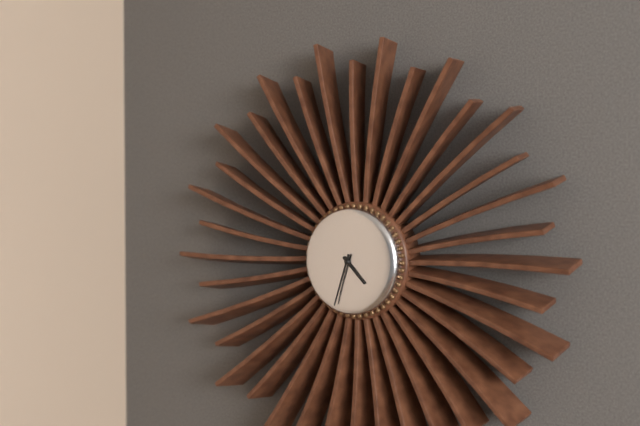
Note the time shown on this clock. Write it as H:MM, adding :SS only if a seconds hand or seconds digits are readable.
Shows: 4:33
